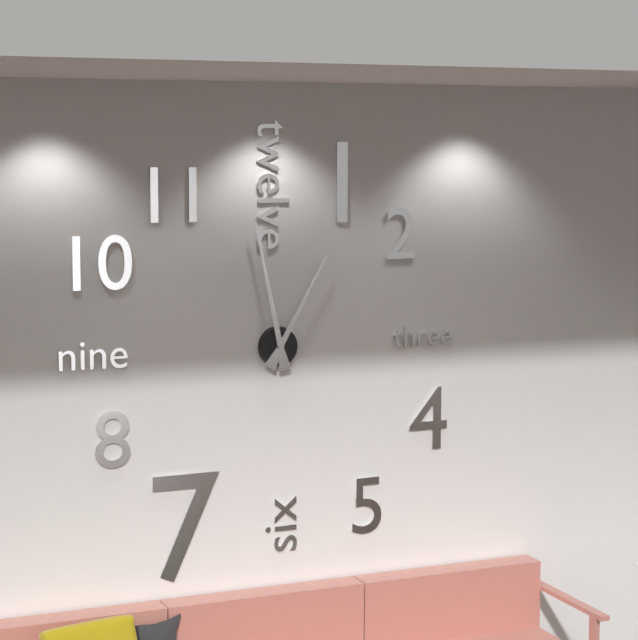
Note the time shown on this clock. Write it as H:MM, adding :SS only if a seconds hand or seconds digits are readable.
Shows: 12:58
